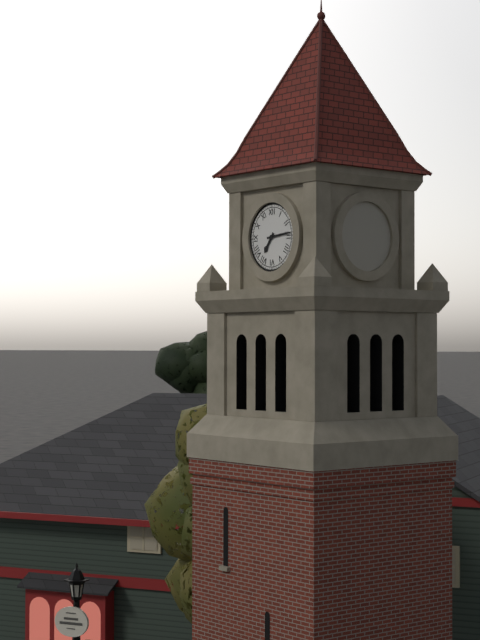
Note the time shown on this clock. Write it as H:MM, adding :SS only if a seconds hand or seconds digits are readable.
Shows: 7:14
